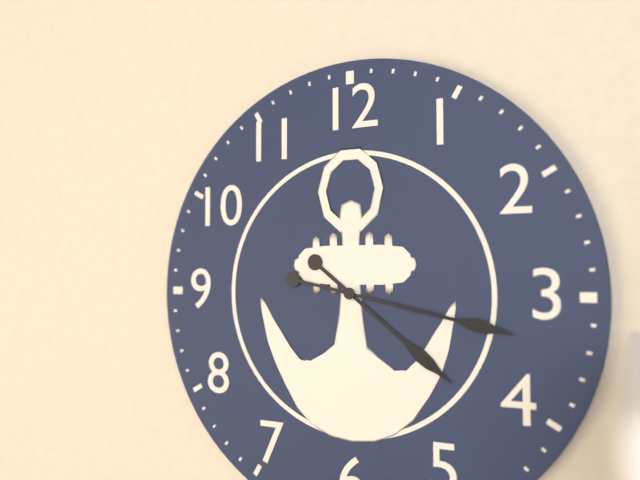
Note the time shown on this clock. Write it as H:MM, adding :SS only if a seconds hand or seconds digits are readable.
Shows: 4:17
